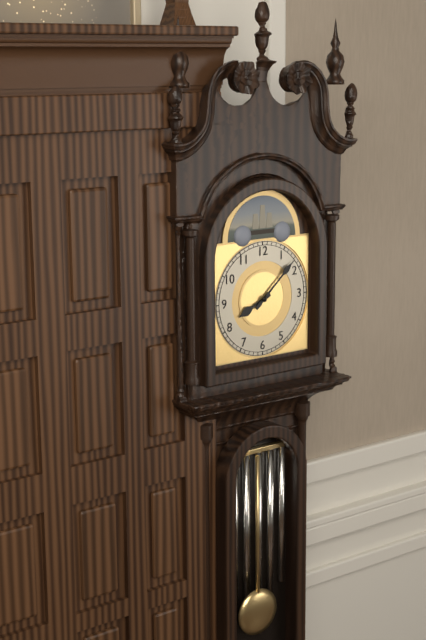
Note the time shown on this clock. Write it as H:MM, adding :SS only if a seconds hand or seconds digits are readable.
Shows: 8:08
